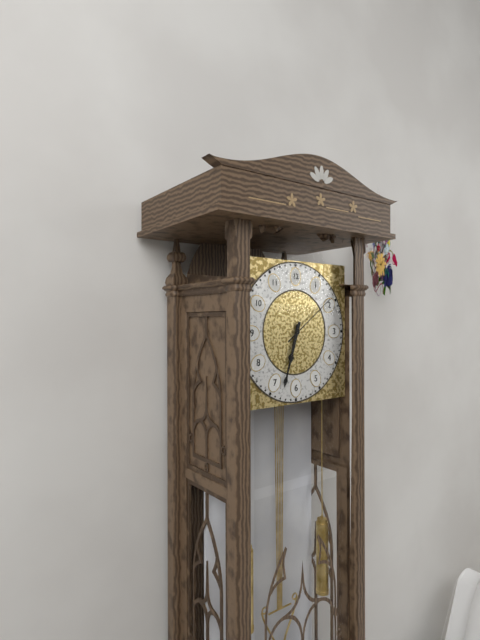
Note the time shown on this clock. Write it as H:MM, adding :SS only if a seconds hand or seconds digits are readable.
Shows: 6:33:09
